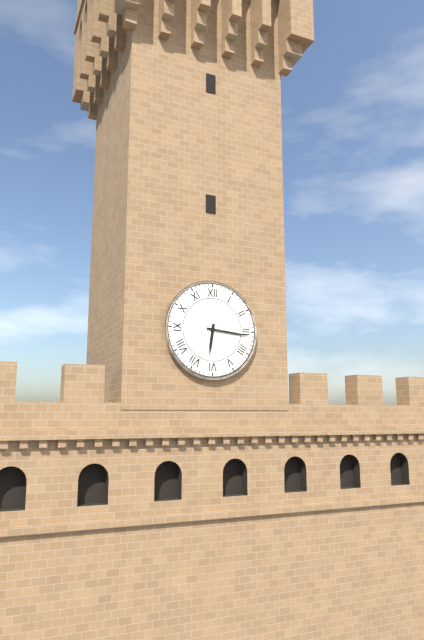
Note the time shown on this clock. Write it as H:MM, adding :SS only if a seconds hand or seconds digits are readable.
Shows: 6:16
